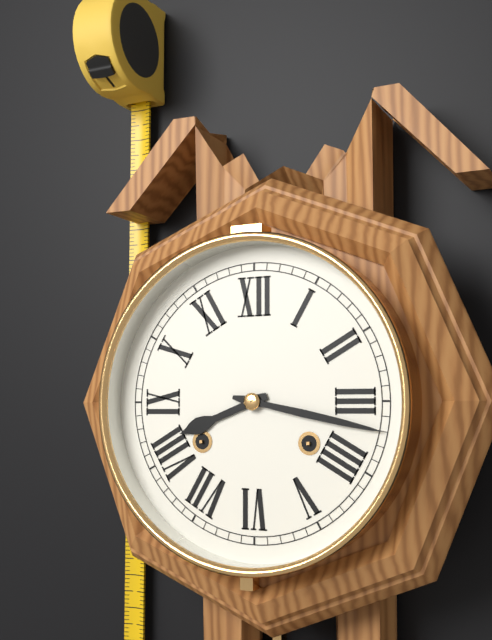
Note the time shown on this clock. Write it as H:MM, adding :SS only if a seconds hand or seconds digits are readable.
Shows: 8:17
